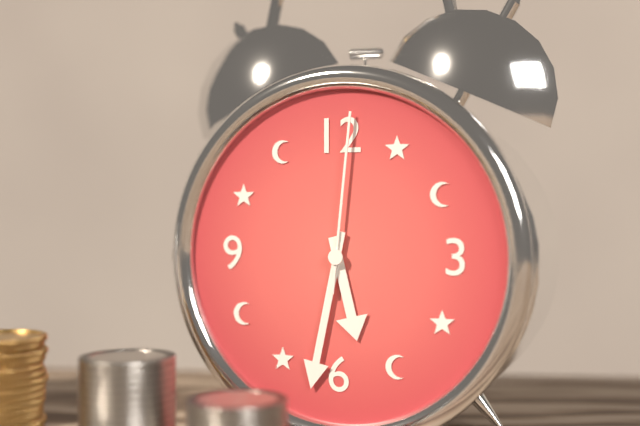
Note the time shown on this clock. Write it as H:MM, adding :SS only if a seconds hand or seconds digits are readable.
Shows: 5:32:01
